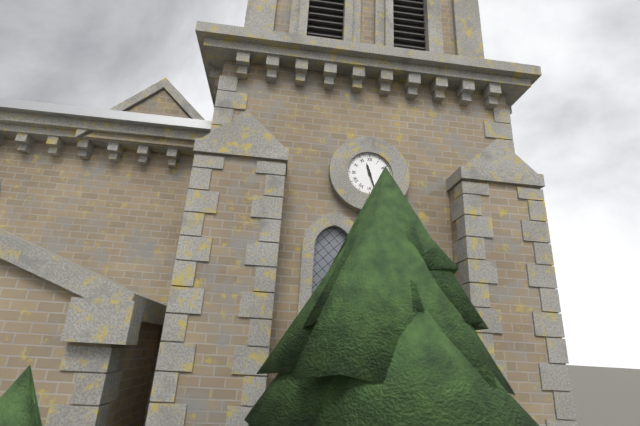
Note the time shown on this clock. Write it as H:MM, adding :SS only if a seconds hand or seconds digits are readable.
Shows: 11:27
